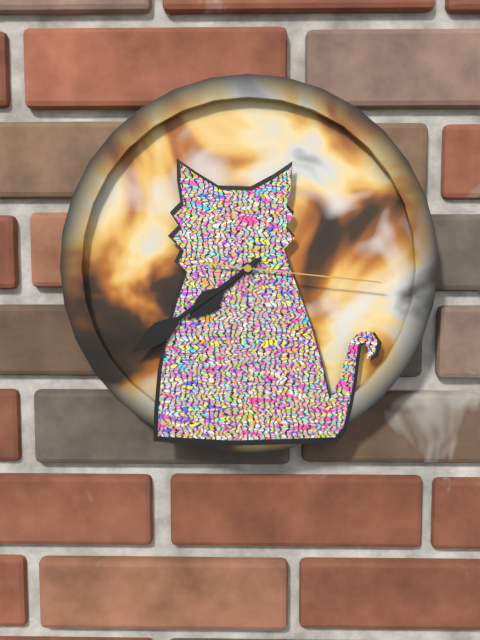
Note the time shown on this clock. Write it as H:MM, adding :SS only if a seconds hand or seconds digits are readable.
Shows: 7:39:16
